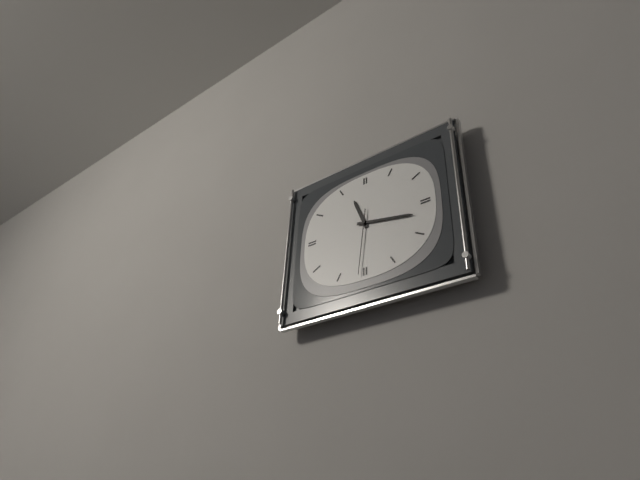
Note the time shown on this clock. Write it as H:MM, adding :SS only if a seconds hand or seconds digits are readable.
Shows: 11:17:31
